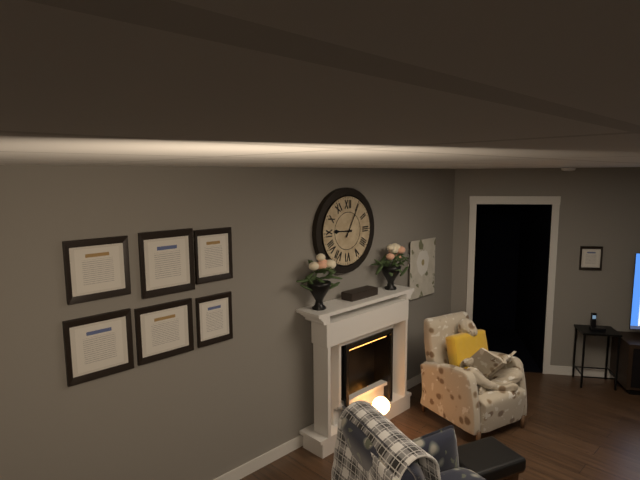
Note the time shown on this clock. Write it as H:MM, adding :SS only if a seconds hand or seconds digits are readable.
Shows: 9:05
